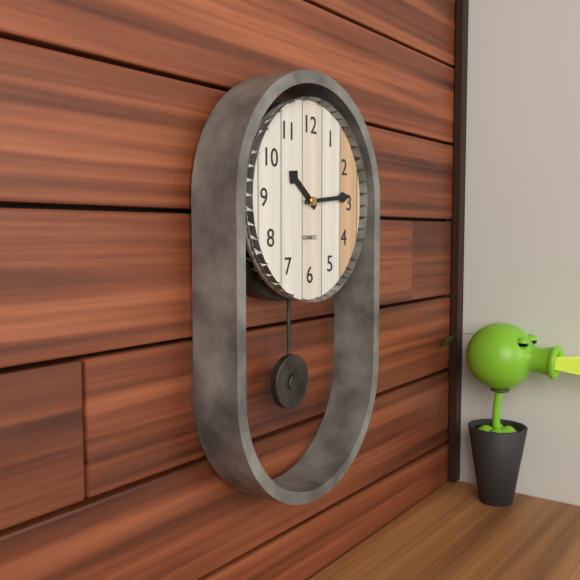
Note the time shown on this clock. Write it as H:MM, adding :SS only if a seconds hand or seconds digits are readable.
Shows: 10:14
